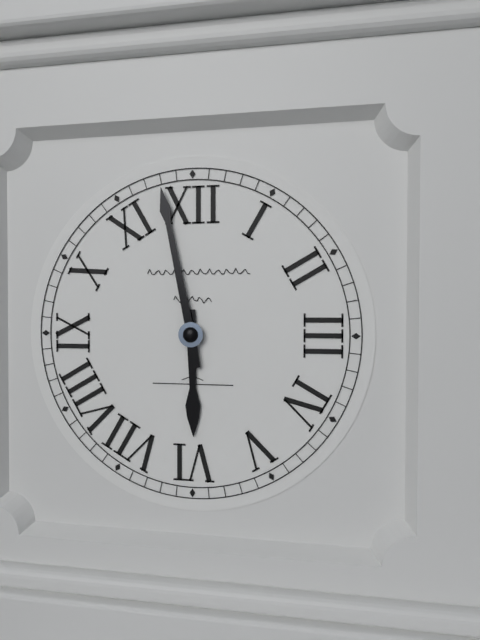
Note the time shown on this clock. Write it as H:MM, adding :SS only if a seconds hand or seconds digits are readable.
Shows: 5:58
